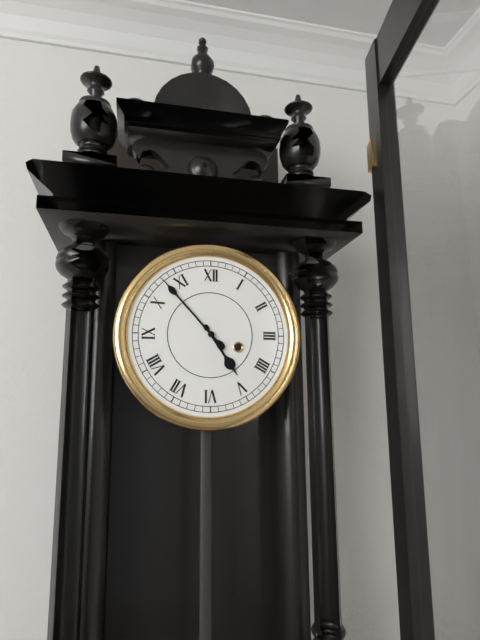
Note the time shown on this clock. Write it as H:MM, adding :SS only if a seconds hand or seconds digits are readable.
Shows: 4:53
